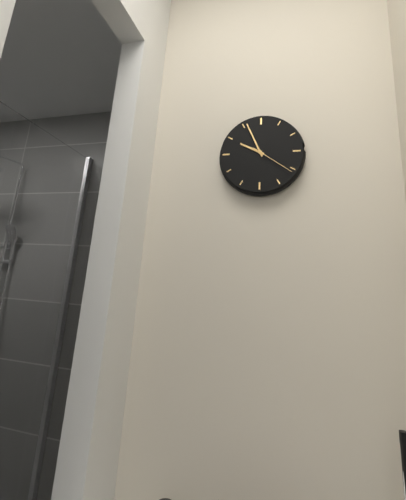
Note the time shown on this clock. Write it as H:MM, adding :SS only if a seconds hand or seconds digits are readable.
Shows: 9:56
